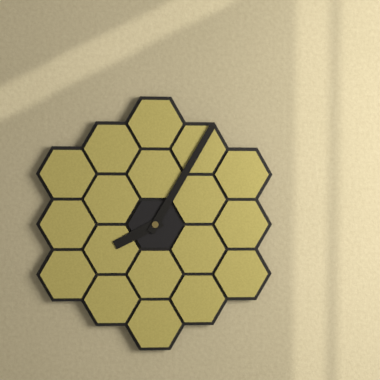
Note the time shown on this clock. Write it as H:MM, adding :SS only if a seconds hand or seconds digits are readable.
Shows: 8:05
